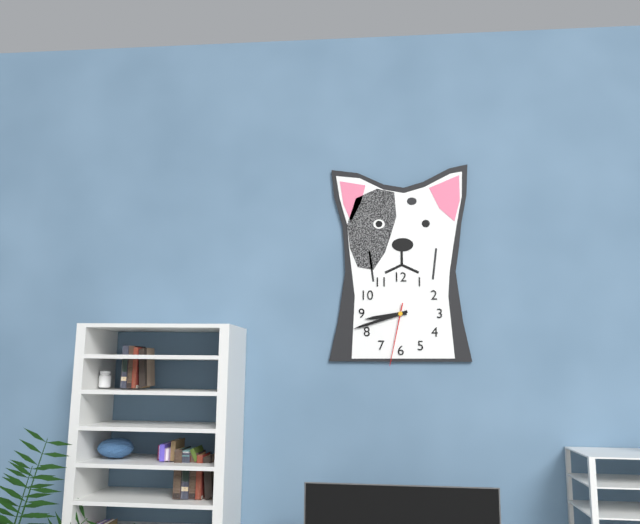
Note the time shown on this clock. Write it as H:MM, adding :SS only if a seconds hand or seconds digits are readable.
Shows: 8:42:32
